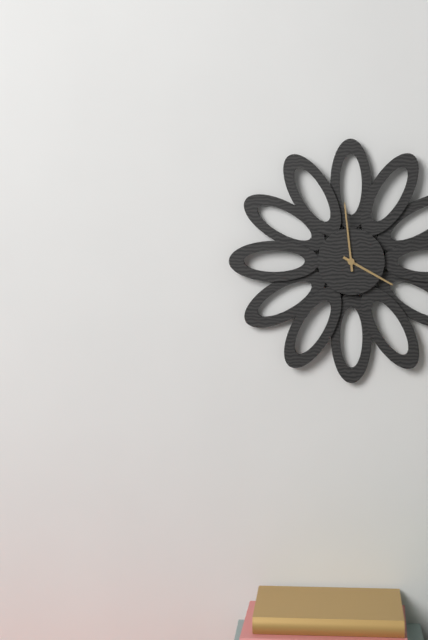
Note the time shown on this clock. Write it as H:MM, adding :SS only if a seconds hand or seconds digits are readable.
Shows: 3:59
